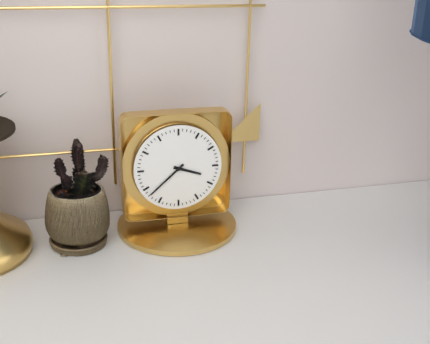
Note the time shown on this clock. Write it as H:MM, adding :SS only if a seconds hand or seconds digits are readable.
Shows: 3:38
